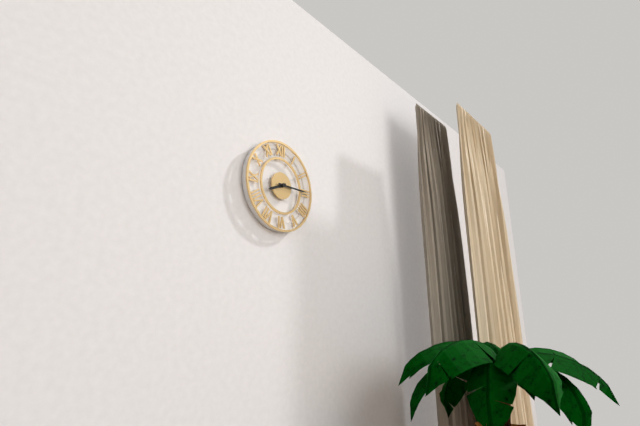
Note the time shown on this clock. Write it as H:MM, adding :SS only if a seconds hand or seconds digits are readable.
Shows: 8:15
